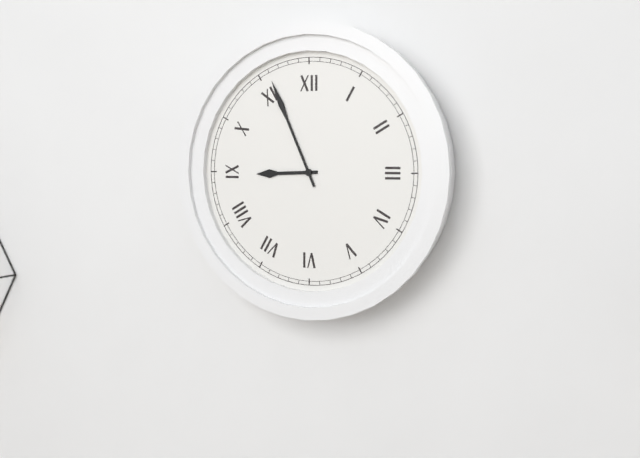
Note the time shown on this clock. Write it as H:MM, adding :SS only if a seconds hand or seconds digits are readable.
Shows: 8:56
